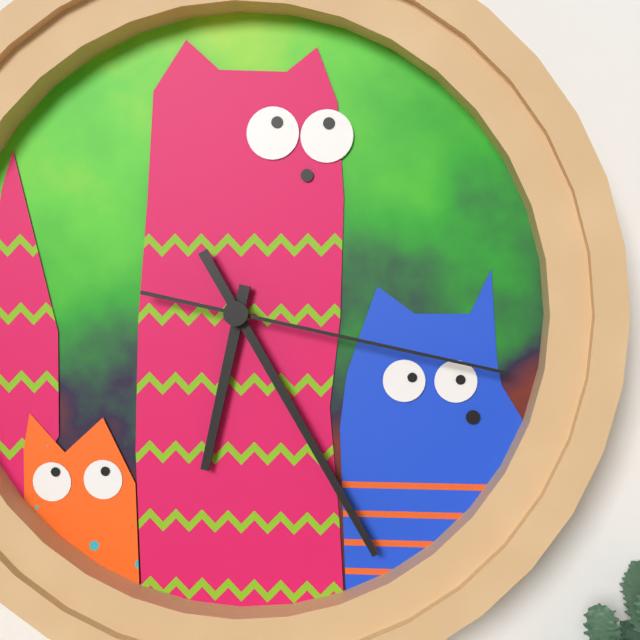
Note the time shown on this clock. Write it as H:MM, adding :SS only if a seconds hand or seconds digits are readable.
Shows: 6:25:17
